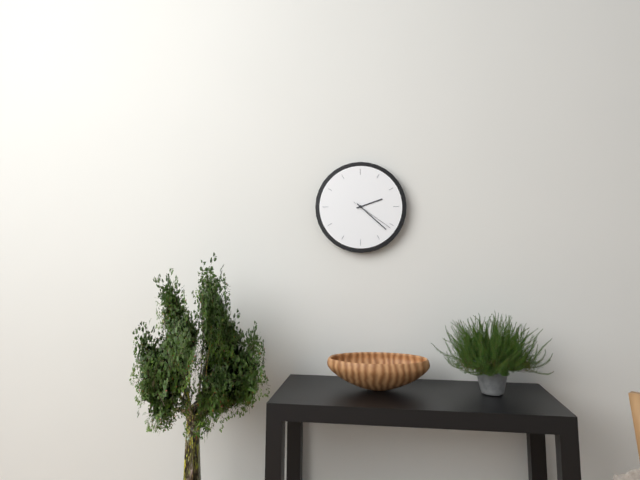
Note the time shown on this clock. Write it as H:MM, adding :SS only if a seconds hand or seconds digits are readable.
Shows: 2:22
